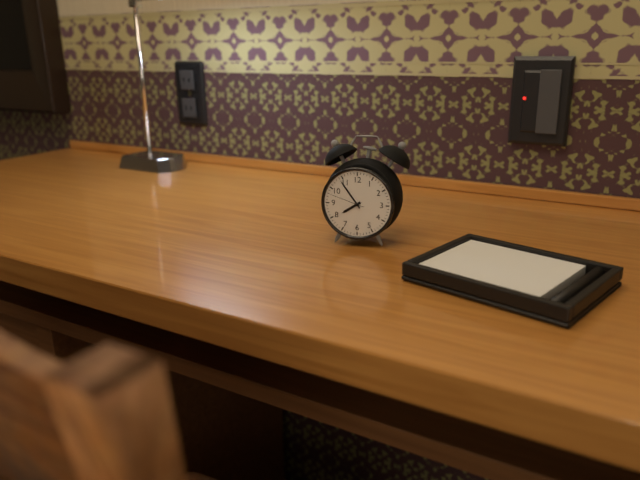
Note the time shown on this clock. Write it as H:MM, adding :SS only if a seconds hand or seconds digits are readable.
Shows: 7:54
